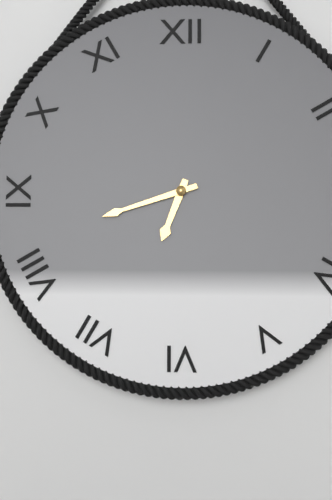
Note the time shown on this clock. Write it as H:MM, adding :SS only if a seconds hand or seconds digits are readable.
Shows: 6:42
